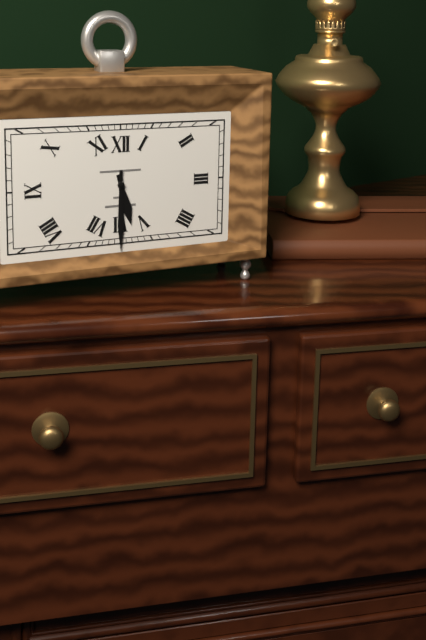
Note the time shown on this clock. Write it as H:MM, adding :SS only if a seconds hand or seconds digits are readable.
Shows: 5:30
